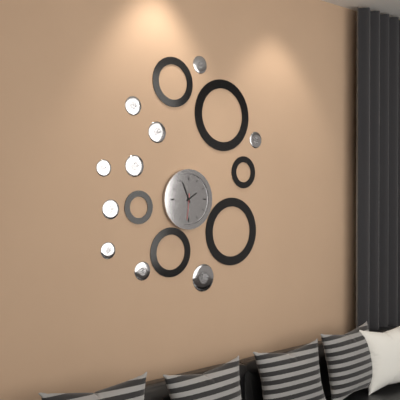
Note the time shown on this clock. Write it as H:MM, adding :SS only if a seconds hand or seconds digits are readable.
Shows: 1:56
